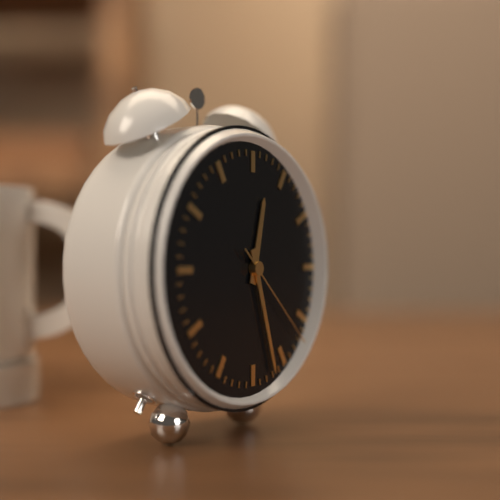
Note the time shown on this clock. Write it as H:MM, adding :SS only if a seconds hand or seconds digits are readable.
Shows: 12:27:22
